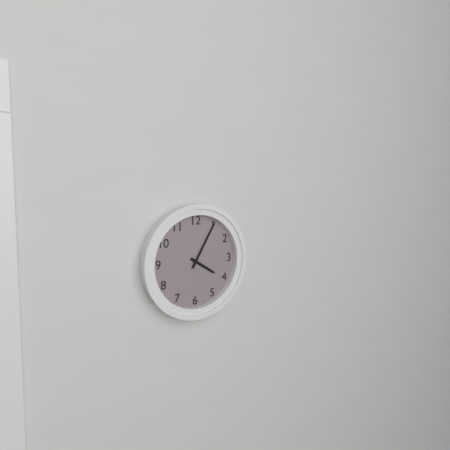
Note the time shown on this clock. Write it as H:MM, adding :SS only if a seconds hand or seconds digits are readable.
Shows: 4:05
